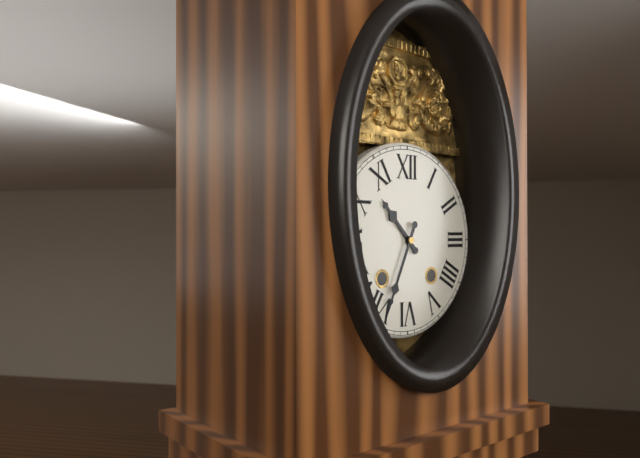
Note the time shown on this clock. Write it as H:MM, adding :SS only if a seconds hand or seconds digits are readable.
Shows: 10:34
